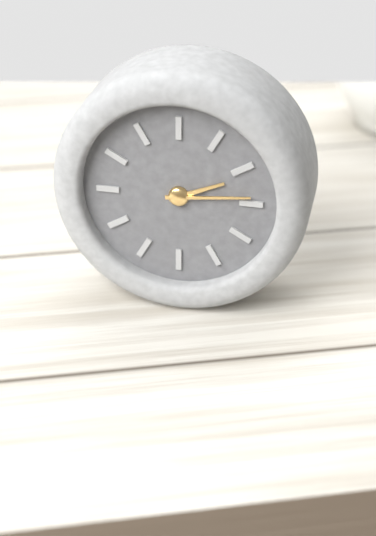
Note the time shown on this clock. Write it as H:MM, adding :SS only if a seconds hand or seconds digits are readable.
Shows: 2:14
